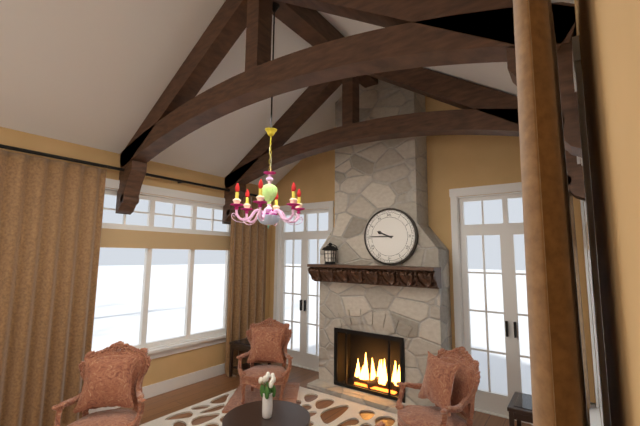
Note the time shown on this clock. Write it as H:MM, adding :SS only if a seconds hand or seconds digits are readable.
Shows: 9:45
